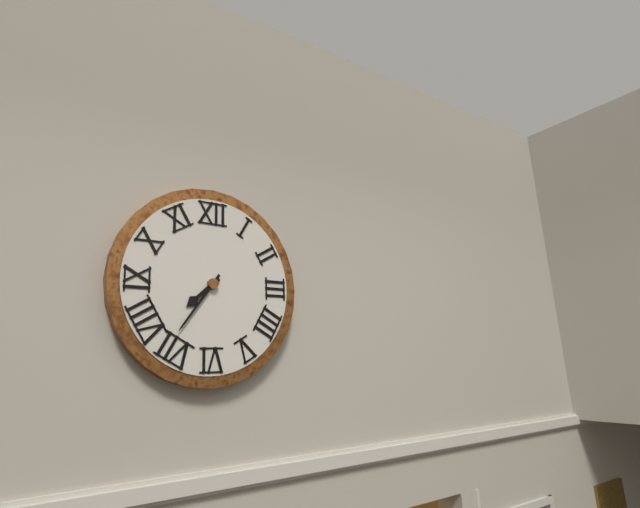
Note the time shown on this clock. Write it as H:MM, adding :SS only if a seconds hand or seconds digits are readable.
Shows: 7:36
